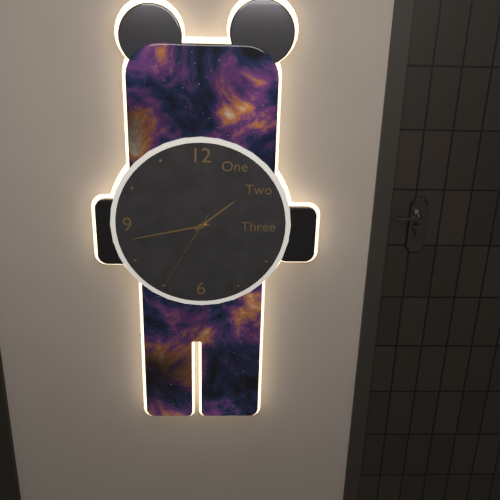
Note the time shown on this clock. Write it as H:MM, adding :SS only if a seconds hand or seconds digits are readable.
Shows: 1:43:35
